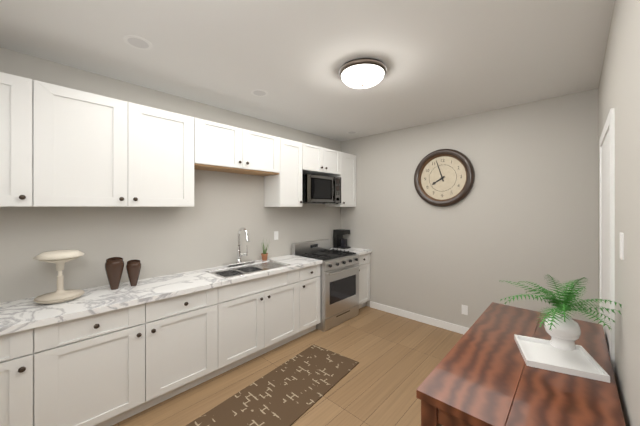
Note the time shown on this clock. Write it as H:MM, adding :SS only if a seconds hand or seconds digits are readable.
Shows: 7:57
